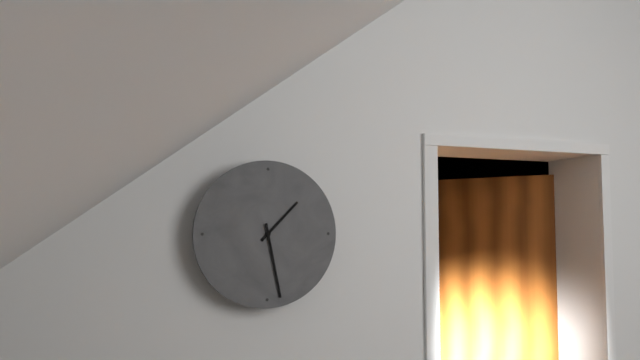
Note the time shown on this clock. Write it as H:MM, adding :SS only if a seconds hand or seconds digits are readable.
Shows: 1:28
